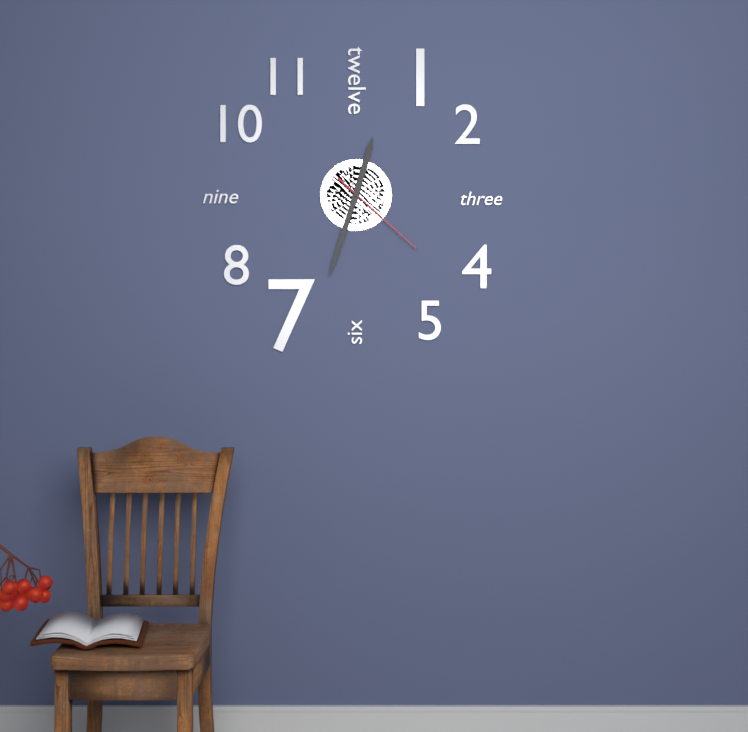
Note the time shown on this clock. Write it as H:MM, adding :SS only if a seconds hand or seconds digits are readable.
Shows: 12:33:22
